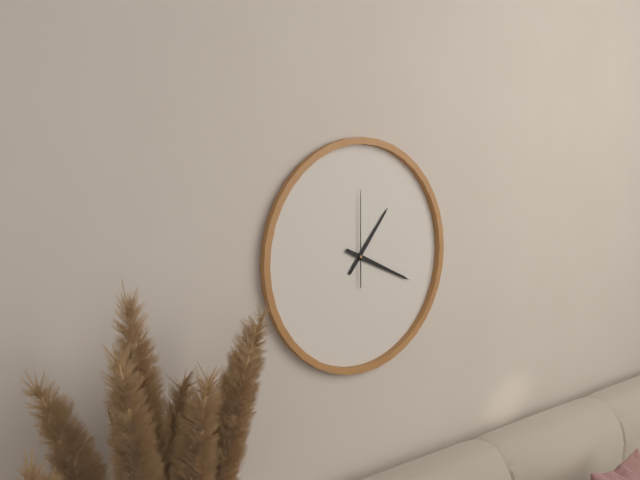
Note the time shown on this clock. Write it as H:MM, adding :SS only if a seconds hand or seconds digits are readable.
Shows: 1:19:00
